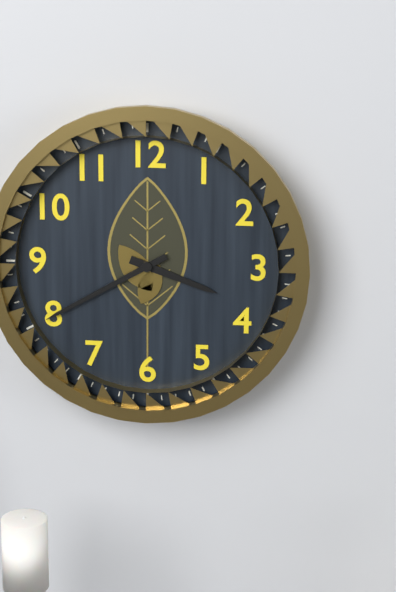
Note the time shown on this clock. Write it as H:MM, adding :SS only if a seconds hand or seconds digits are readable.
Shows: 3:40
